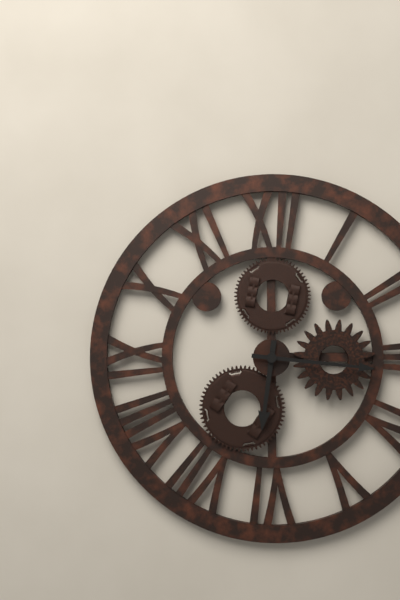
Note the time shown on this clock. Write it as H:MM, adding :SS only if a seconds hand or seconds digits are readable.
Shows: 6:16
